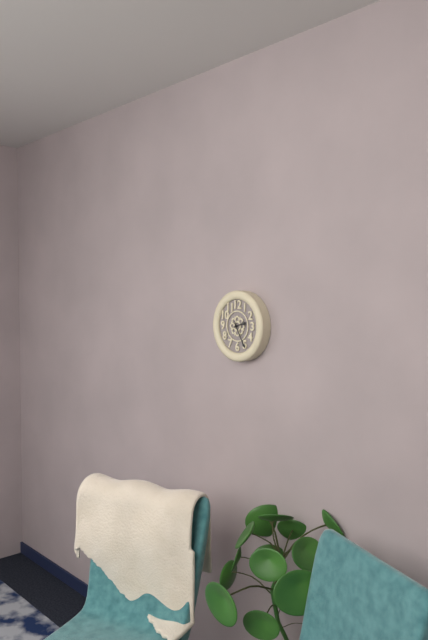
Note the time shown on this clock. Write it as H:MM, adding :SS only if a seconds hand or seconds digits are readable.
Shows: 2:25
